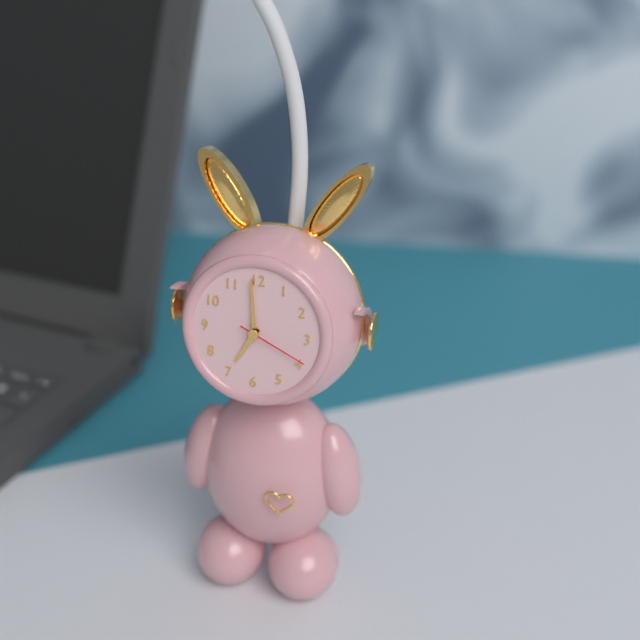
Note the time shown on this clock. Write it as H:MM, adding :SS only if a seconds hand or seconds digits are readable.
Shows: 6:59:19
